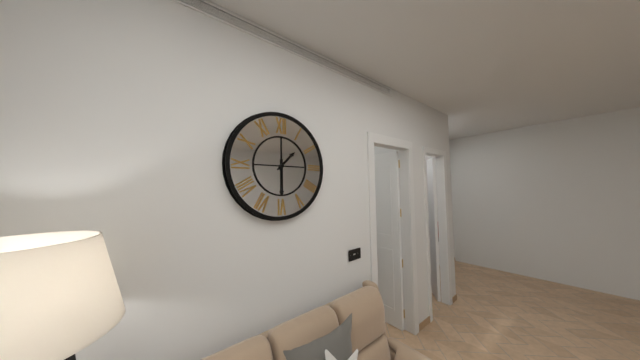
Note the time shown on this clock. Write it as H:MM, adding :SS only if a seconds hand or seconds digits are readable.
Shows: 1:30
